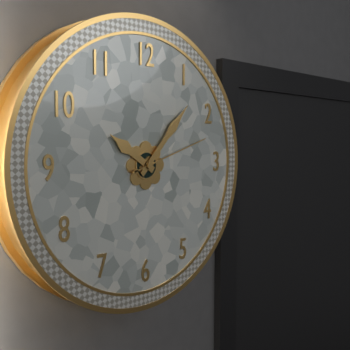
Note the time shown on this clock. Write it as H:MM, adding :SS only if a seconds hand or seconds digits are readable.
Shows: 10:07:12
